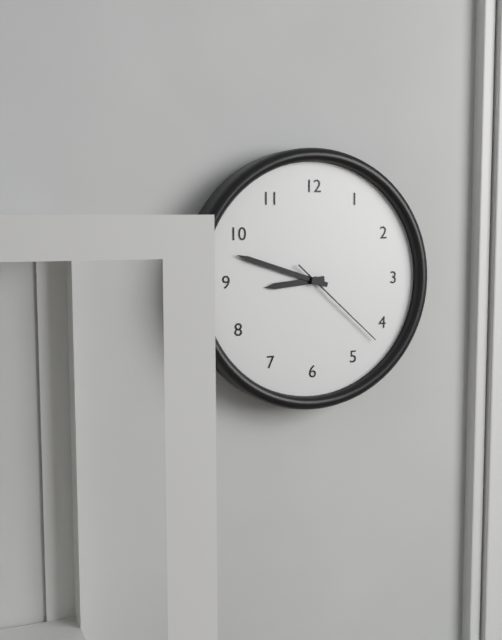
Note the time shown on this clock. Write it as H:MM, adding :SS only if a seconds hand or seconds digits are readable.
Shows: 8:48:22
